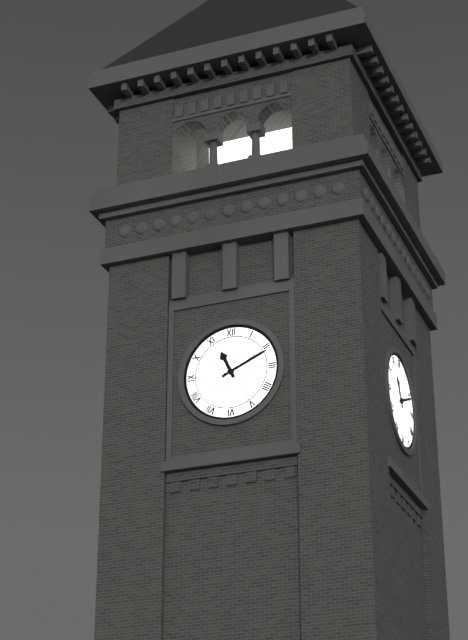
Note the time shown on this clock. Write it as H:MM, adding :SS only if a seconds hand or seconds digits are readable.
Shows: 11:11
